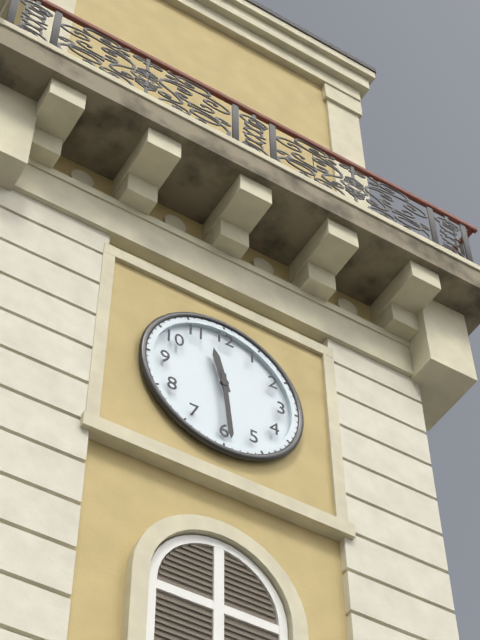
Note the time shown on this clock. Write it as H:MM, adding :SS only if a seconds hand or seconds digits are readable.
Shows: 11:29
